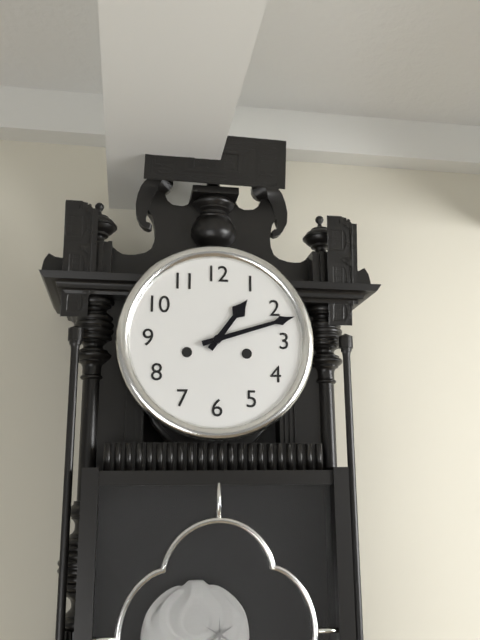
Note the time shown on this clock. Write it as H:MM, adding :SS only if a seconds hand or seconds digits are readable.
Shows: 1:12
